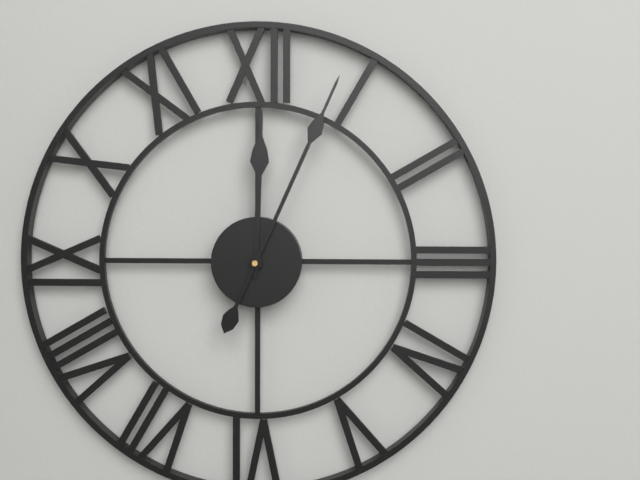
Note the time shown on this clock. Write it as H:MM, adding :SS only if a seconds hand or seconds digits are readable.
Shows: 12:04
